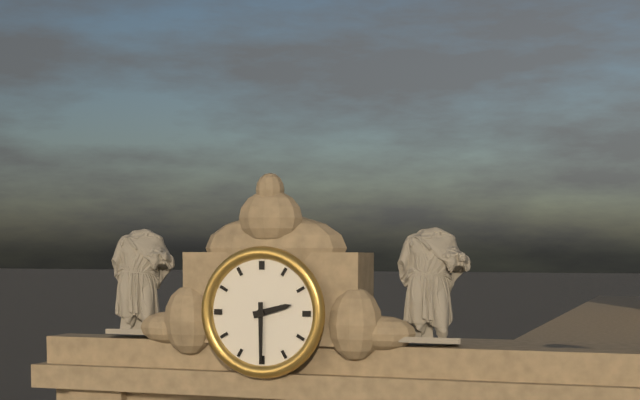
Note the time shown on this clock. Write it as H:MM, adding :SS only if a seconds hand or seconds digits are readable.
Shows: 2:30
